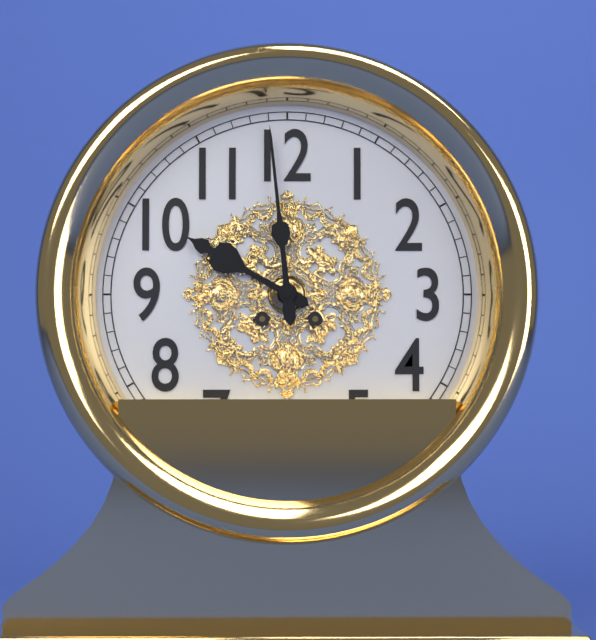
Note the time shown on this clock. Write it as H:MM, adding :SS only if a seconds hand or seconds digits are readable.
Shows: 9:59
